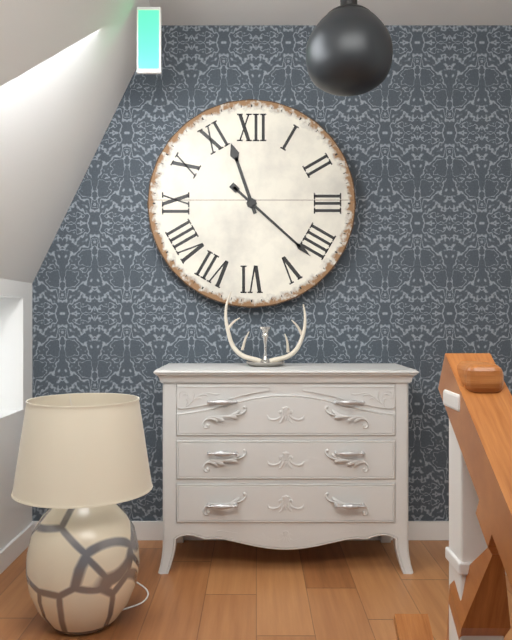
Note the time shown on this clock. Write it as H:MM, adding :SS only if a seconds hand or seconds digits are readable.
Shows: 11:22
